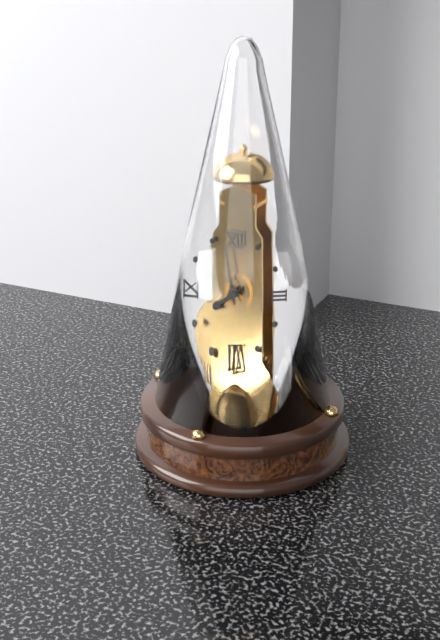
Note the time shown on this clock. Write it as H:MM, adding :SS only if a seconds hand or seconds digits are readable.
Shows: 7:58
